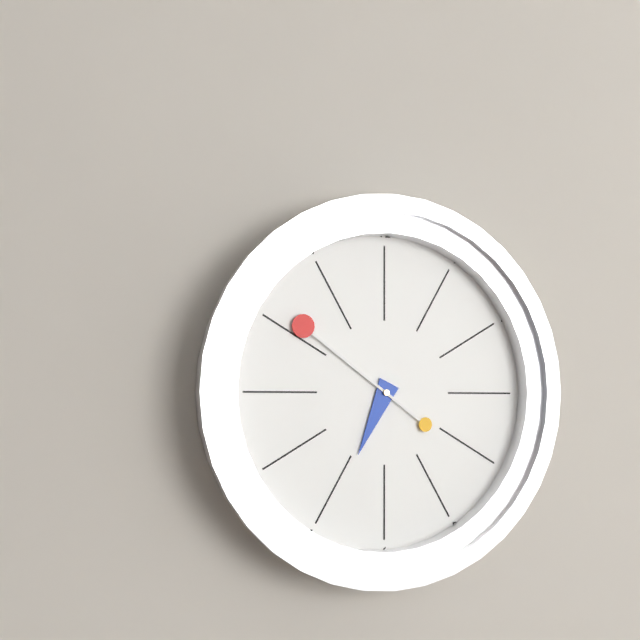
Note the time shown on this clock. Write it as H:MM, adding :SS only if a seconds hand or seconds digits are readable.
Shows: 6:51
